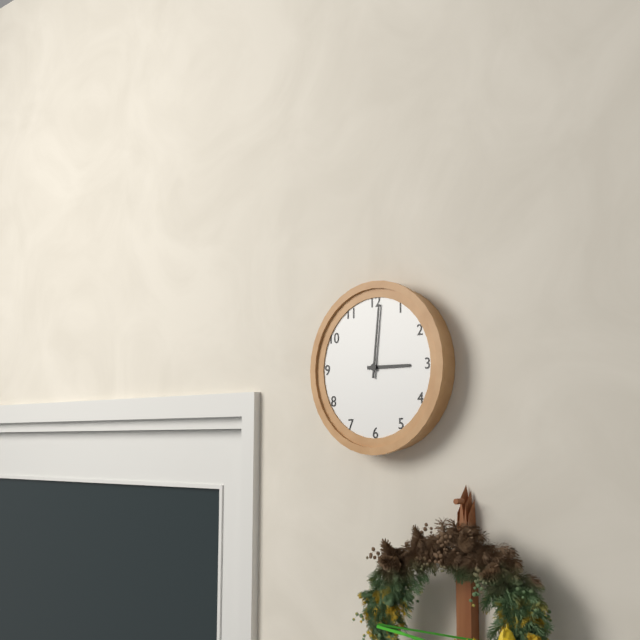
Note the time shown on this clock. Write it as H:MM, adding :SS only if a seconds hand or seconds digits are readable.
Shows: 3:01
